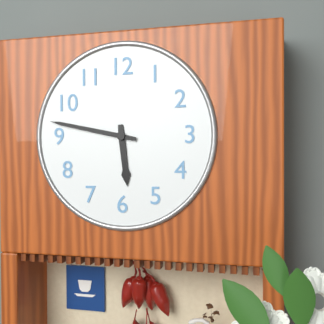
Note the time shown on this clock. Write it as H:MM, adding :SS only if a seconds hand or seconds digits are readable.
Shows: 5:47
